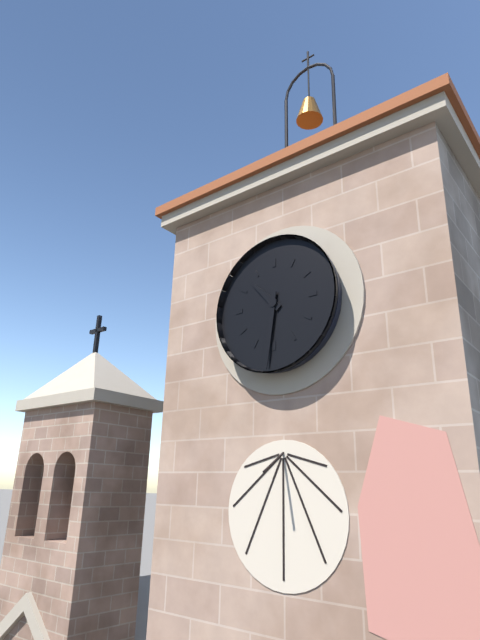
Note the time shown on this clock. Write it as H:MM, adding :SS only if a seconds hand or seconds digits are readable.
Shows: 10:31
